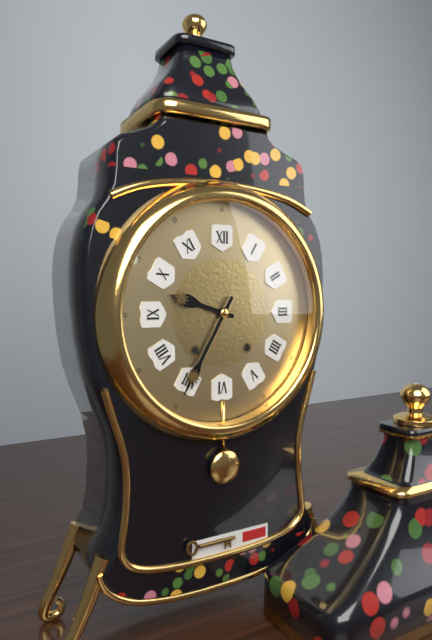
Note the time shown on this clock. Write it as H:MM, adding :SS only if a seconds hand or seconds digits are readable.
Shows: 9:35
